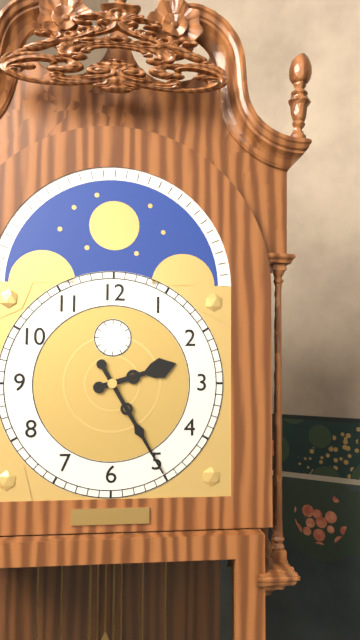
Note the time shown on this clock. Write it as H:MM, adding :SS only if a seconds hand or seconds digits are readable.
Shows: 2:25
